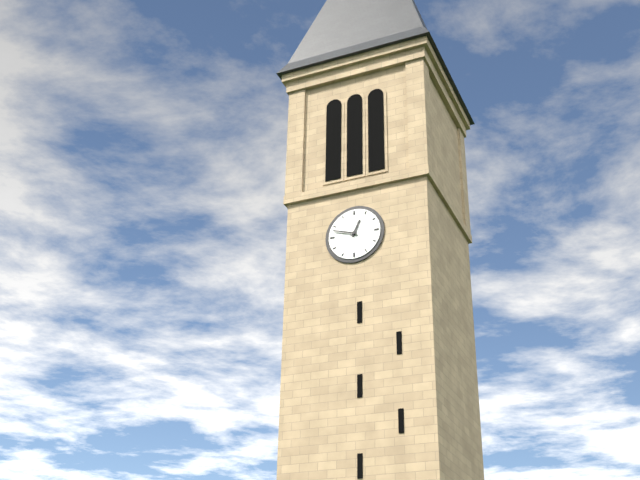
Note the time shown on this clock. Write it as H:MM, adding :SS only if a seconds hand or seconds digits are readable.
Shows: 12:48
